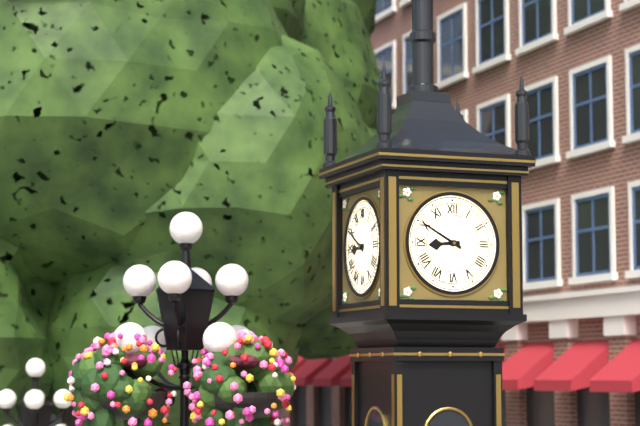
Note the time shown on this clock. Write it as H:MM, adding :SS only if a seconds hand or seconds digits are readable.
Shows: 8:50
